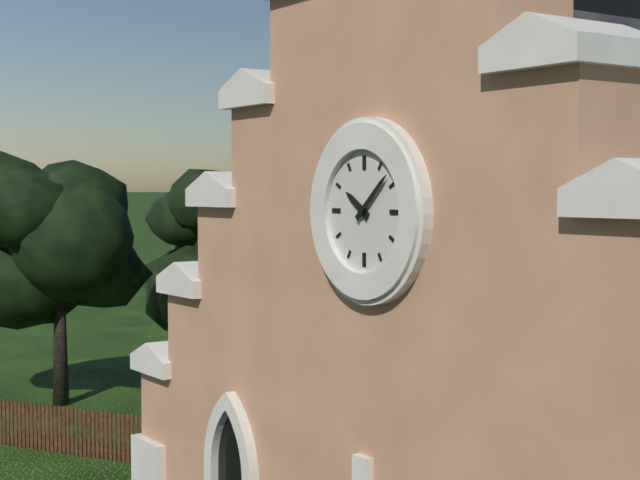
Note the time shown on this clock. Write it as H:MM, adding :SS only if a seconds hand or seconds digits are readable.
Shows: 10:08
